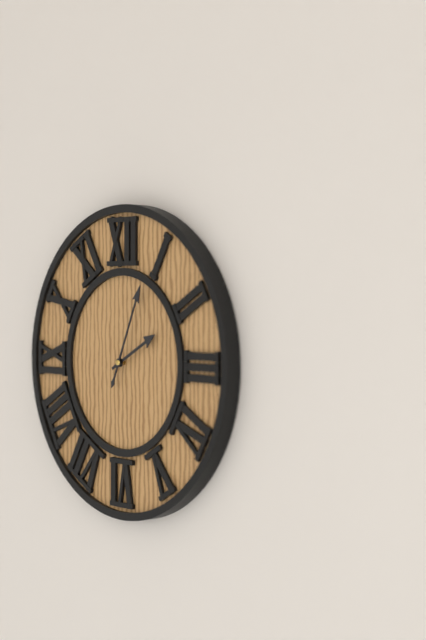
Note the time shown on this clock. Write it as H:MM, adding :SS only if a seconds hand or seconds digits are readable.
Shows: 2:04
